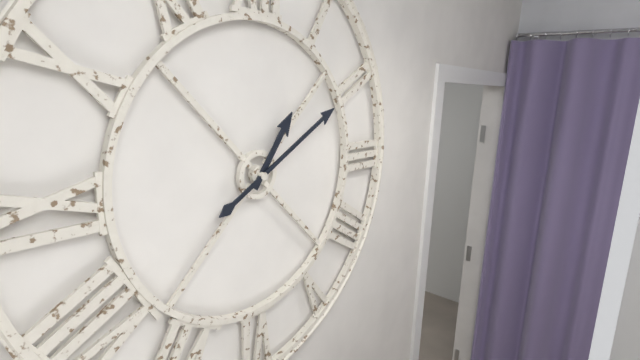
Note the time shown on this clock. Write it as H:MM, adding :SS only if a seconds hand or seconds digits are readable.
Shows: 1:10
